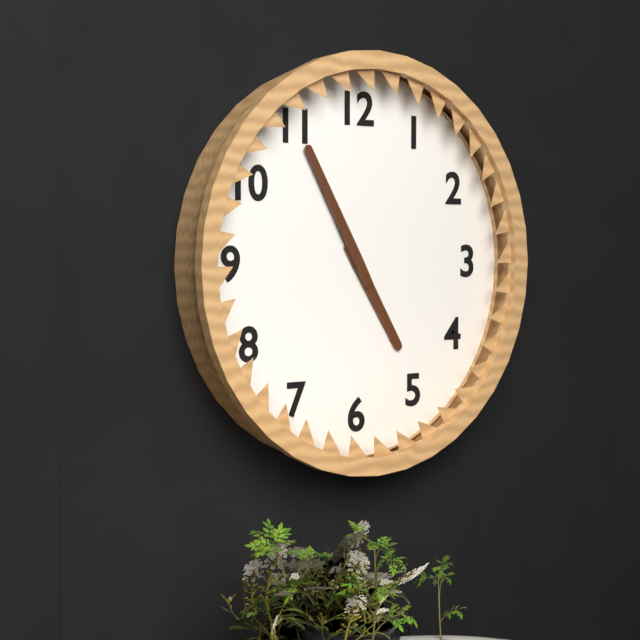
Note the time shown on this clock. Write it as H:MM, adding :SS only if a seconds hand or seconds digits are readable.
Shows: 4:55
